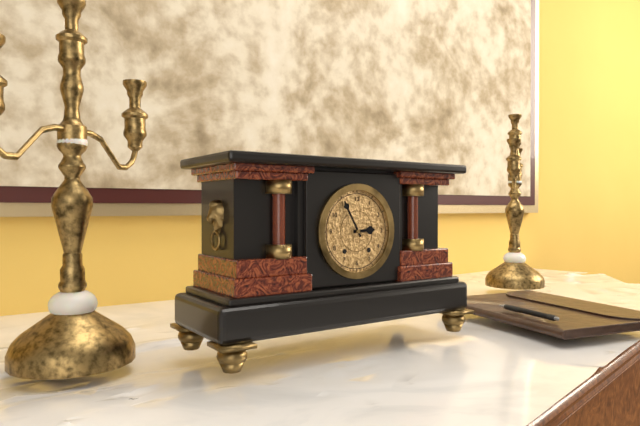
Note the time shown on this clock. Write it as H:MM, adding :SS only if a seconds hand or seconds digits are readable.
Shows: 2:55
